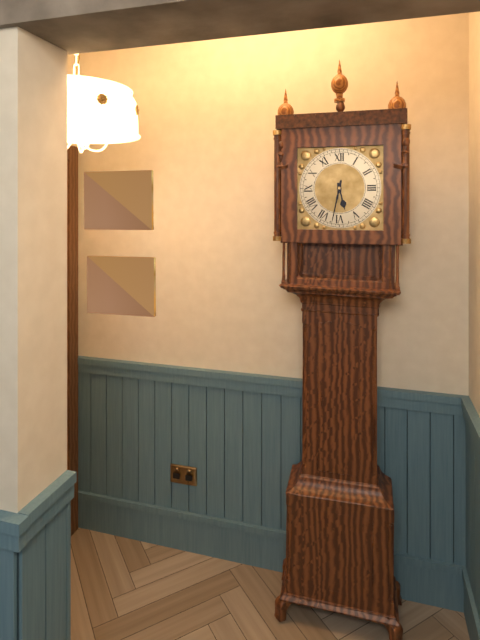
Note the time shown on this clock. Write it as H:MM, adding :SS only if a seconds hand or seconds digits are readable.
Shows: 5:32
